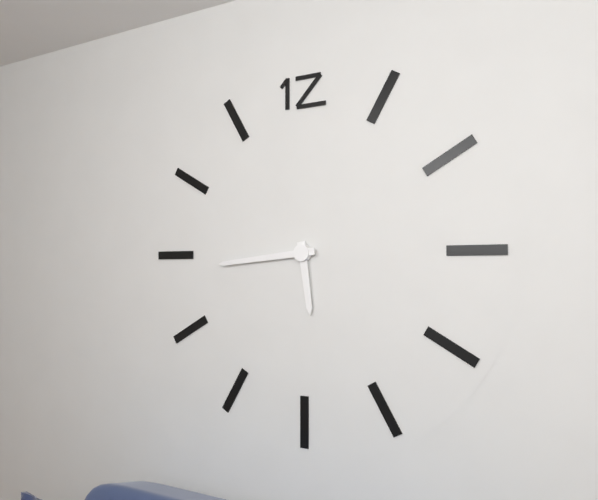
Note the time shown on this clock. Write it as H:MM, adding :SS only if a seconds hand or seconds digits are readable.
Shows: 5:44
